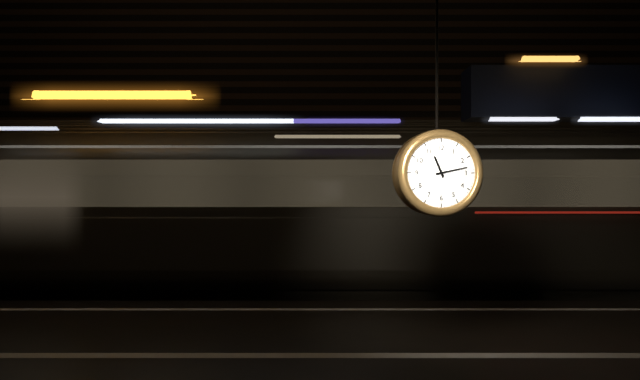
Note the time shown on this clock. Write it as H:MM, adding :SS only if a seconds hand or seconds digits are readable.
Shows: 11:13
